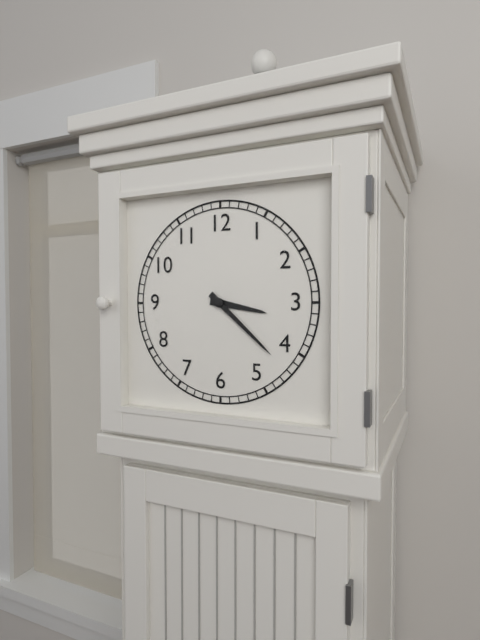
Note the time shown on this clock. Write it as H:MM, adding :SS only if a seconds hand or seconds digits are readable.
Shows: 3:22
